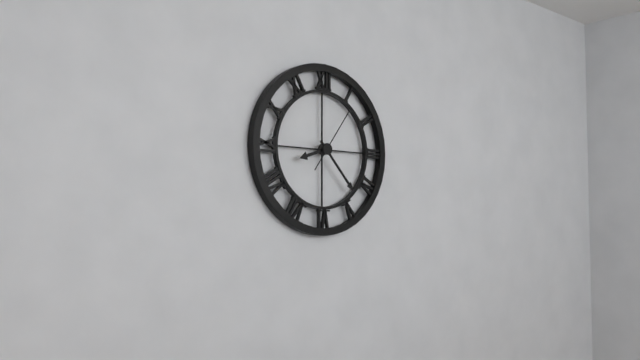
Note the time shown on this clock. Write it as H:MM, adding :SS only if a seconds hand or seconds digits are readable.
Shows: 8:23:06
